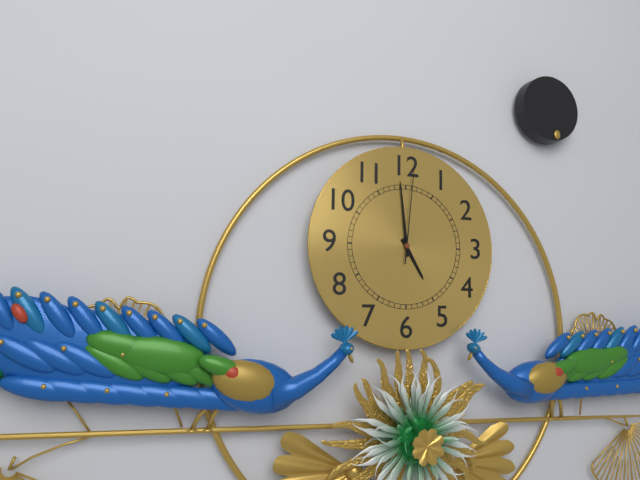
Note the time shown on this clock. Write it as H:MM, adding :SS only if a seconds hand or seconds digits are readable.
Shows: 4:59:01
